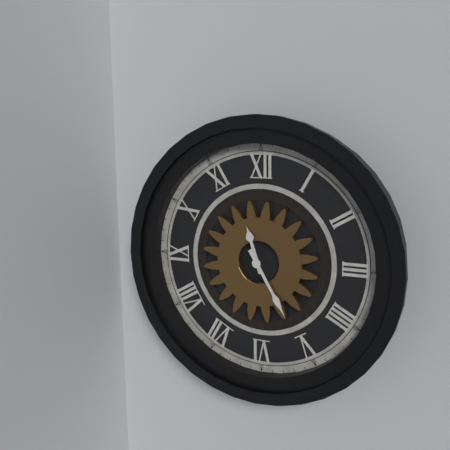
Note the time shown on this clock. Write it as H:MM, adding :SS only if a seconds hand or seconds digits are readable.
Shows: 11:25
